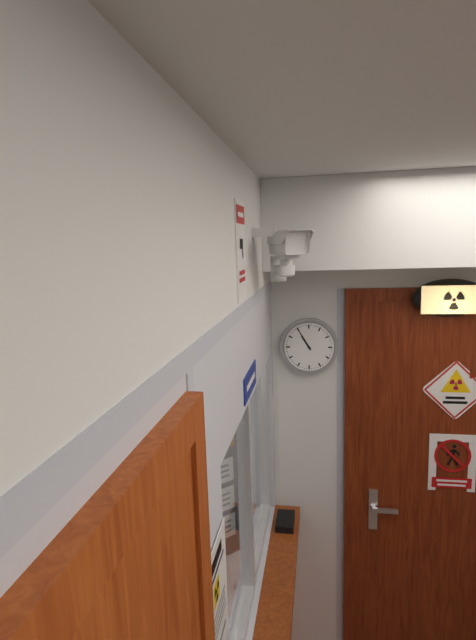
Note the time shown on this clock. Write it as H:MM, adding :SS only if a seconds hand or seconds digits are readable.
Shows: 10:55
